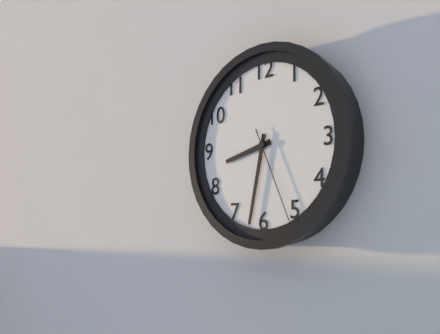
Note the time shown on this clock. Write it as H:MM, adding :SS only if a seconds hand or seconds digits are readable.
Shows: 8:32:26
